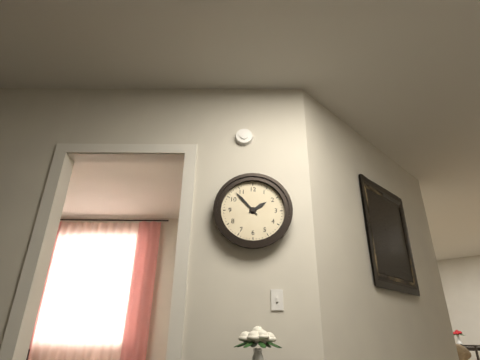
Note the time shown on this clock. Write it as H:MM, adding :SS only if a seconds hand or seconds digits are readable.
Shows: 1:53
